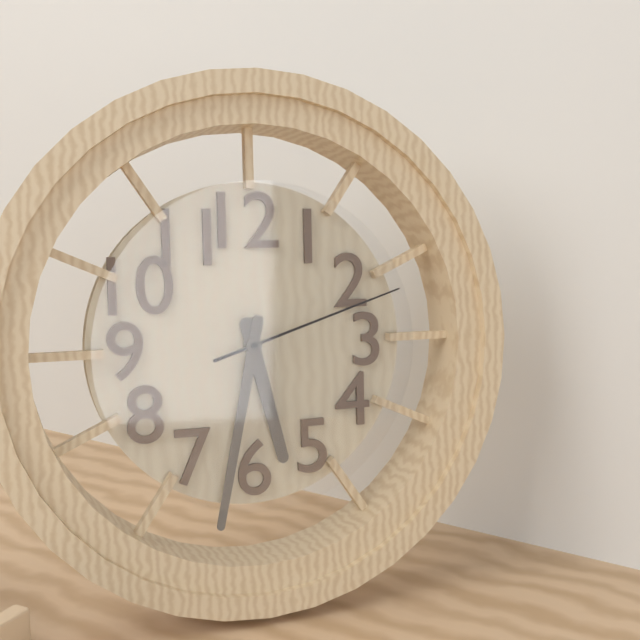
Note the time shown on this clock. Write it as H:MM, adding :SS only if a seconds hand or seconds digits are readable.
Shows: 5:32:12
